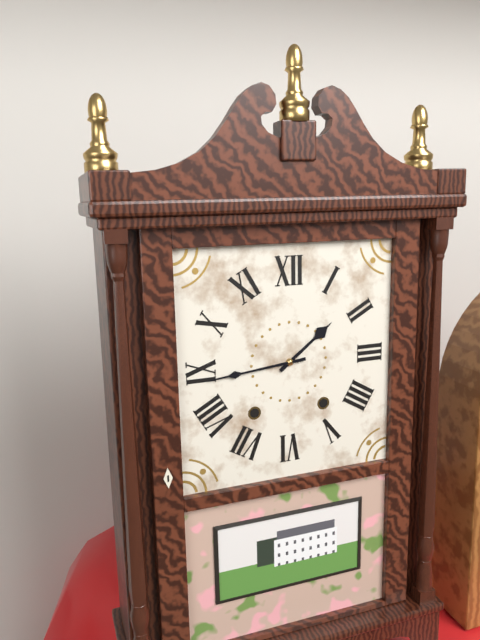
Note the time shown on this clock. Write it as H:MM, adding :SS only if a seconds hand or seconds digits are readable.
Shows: 1:44
